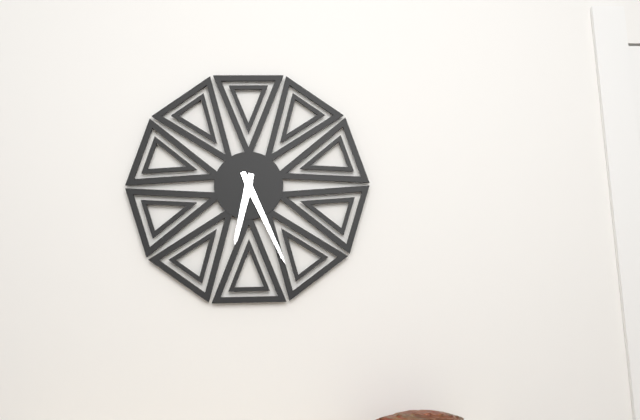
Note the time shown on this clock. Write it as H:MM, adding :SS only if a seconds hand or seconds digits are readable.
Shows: 6:26
